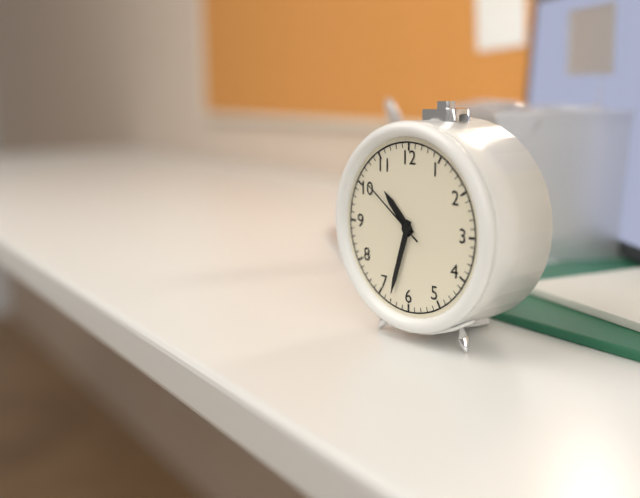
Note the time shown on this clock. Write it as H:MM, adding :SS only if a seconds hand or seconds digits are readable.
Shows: 10:33:51
